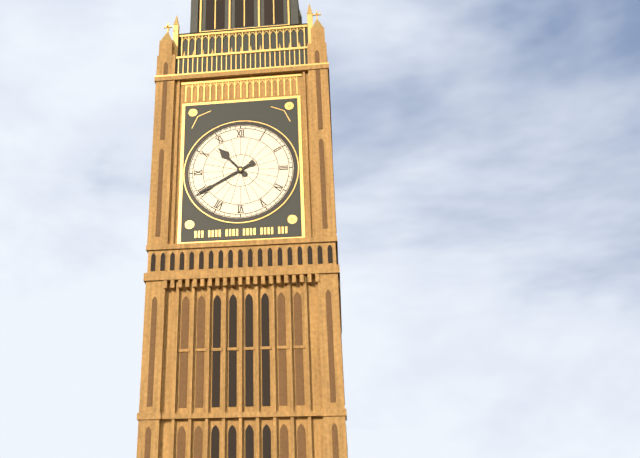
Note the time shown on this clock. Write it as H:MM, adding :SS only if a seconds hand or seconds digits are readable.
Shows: 10:40
